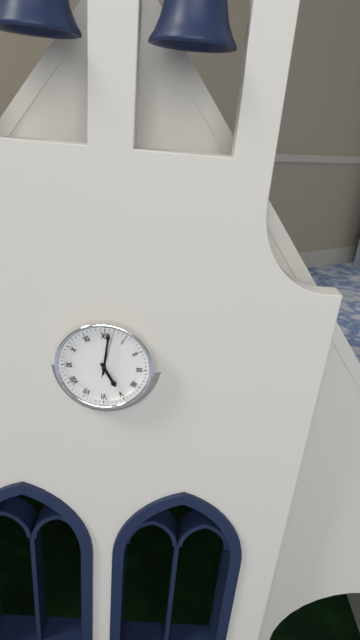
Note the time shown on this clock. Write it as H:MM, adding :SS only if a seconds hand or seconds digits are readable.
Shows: 5:01
